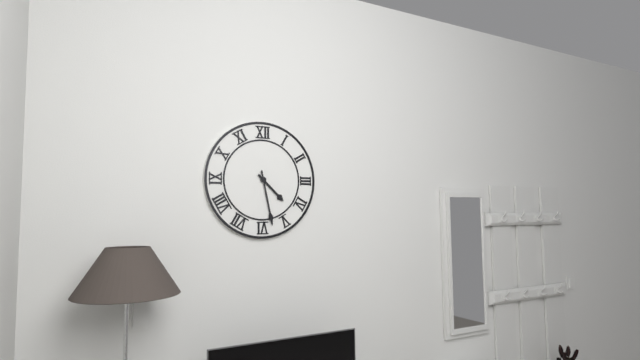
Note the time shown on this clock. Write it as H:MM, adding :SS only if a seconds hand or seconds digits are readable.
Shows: 4:28
